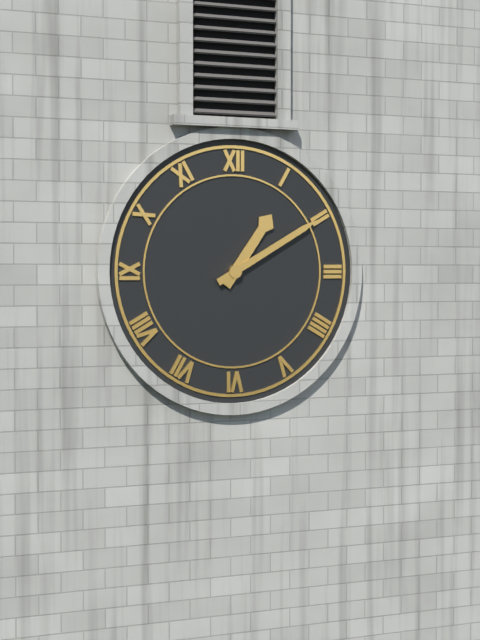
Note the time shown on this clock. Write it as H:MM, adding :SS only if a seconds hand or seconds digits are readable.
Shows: 1:10
